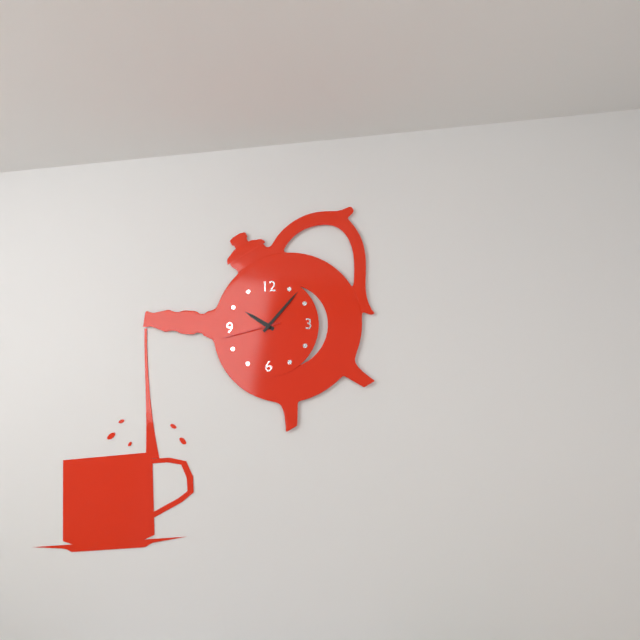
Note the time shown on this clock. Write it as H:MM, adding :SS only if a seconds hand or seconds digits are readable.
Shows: 10:07:43
